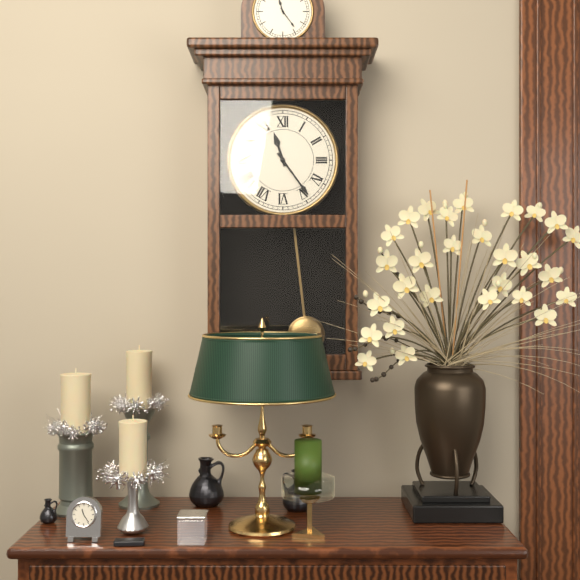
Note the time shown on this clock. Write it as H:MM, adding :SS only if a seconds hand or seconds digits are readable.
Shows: 11:24
